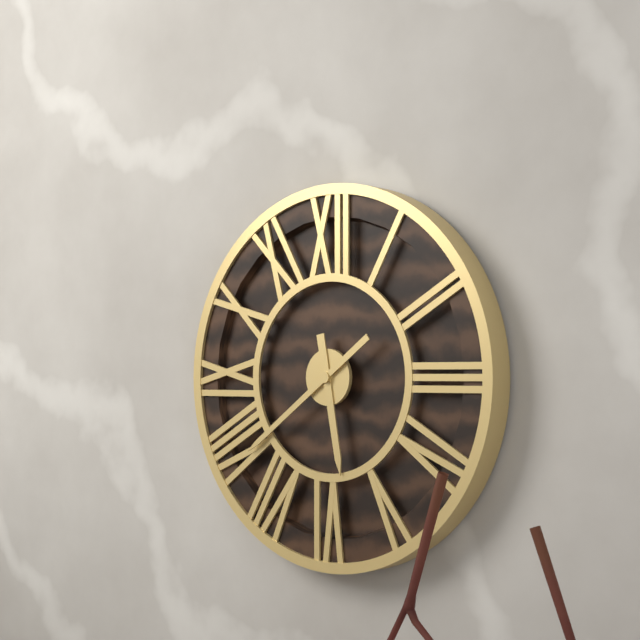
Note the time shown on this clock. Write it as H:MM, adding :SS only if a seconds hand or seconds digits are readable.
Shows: 5:39
